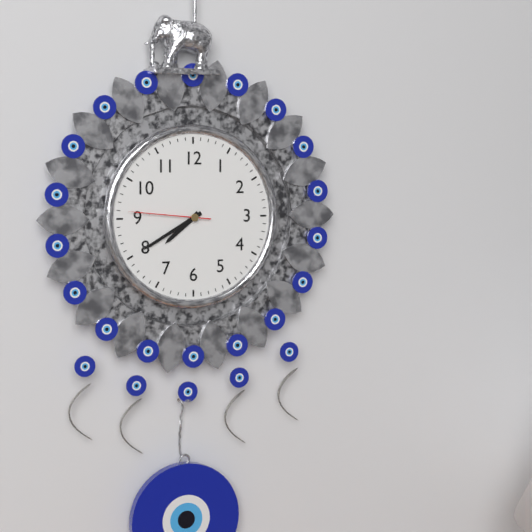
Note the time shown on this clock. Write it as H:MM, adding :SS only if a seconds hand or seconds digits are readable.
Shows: 7:40:46
